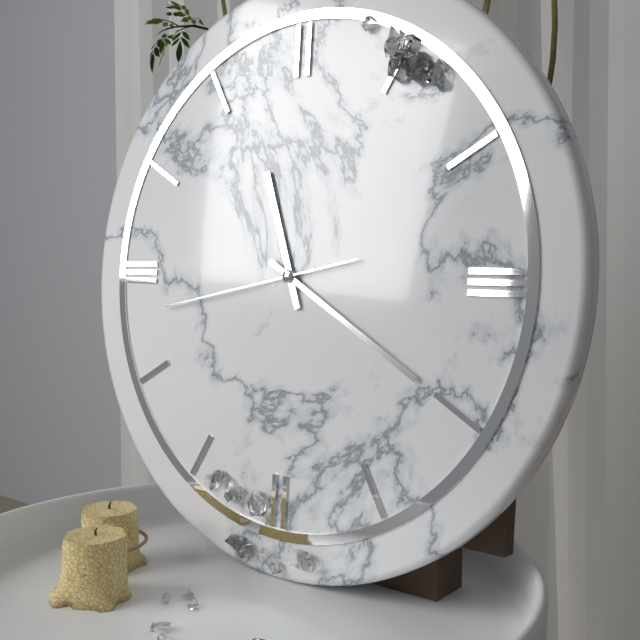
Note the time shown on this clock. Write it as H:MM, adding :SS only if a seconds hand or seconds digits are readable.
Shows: 11:20:43
